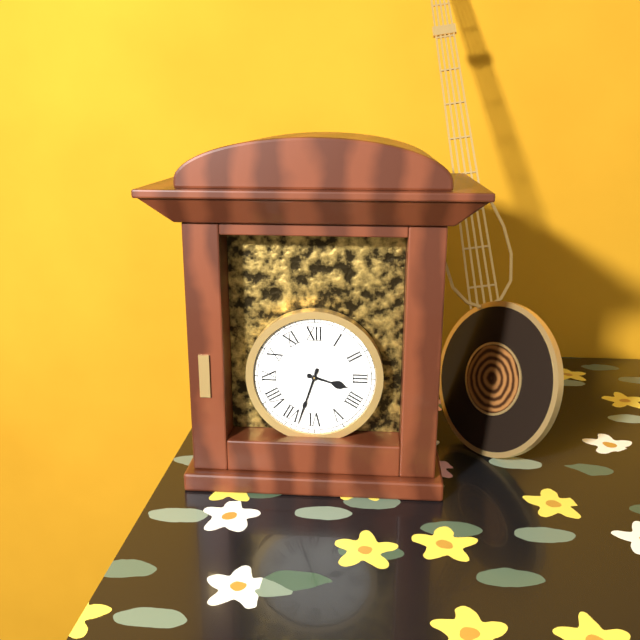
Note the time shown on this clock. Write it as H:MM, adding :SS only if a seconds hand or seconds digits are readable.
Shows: 3:33
